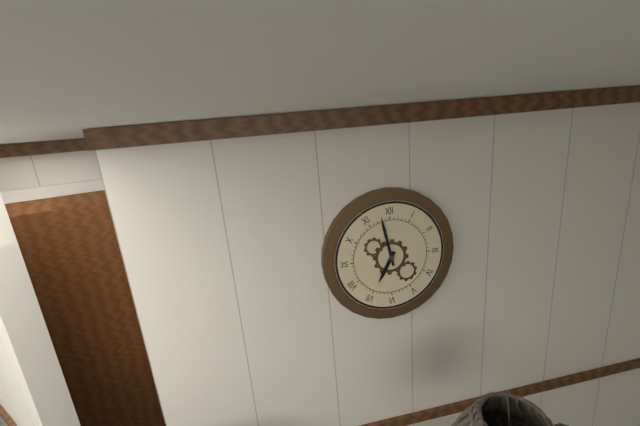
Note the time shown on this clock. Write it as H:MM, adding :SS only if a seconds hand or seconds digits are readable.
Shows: 6:58
